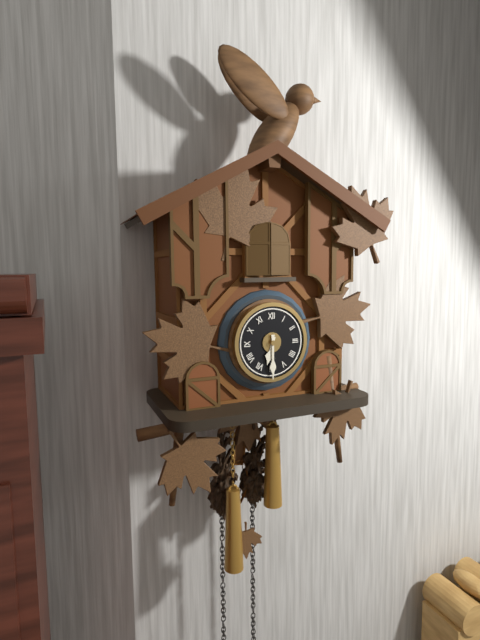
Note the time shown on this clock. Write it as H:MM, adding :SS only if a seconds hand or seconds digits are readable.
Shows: 6:30
